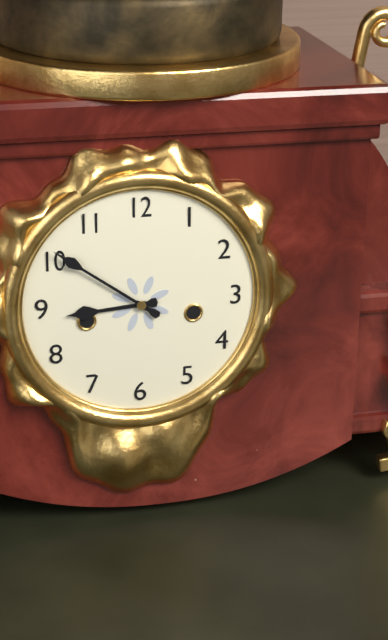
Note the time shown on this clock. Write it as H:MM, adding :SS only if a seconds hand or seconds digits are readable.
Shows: 8:51
